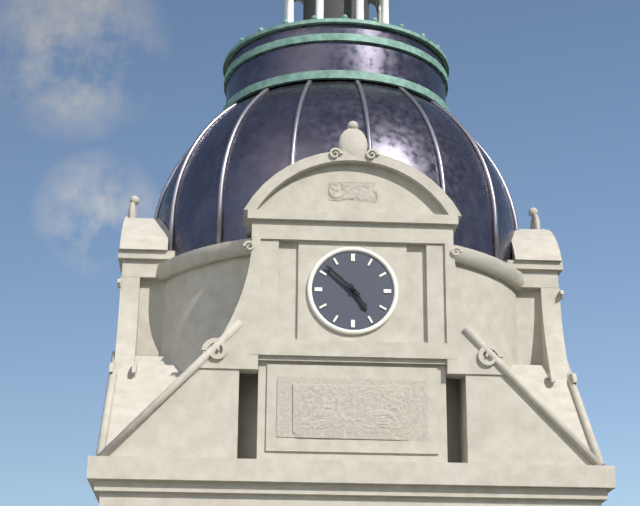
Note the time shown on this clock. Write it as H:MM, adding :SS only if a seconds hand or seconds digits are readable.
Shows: 4:52
